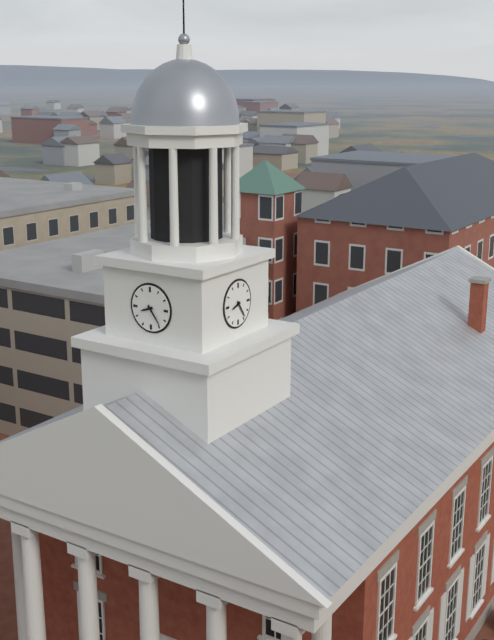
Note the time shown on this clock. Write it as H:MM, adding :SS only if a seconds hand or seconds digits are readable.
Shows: 8:24
